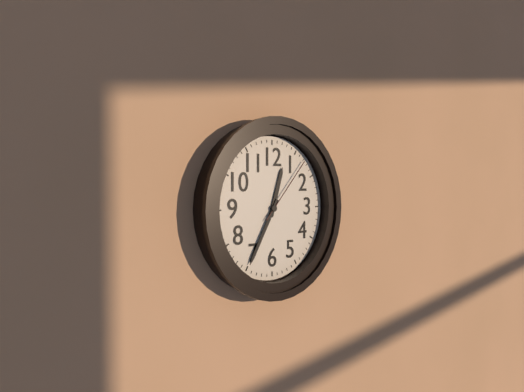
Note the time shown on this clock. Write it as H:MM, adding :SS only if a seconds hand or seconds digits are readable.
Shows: 12:35:07
